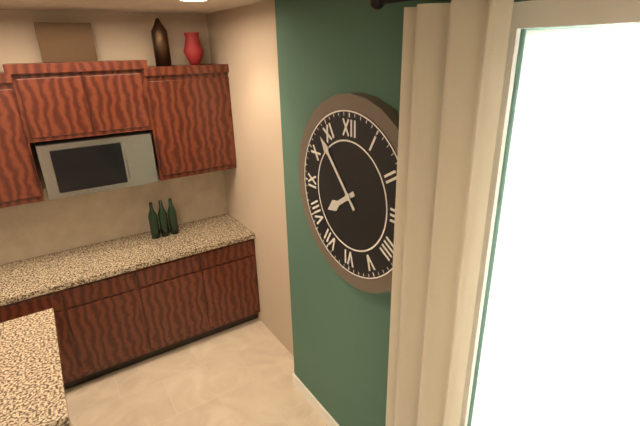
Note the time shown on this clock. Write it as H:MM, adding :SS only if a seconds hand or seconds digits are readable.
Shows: 7:53
